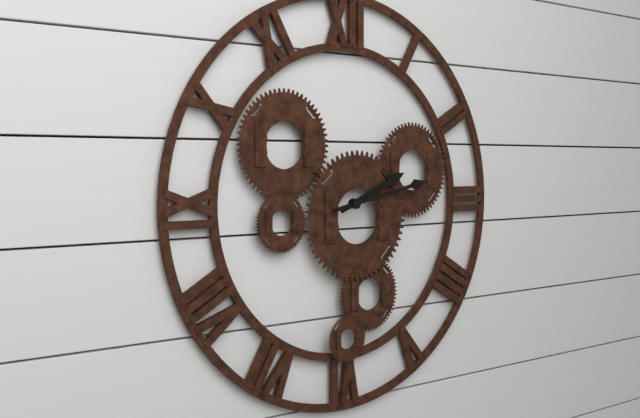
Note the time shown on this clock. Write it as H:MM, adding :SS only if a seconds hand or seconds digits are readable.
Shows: 2:13
